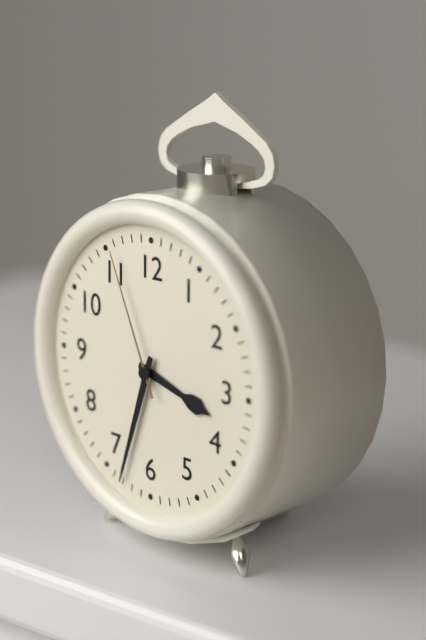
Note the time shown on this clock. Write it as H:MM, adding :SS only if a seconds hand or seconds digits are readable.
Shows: 3:33:56
